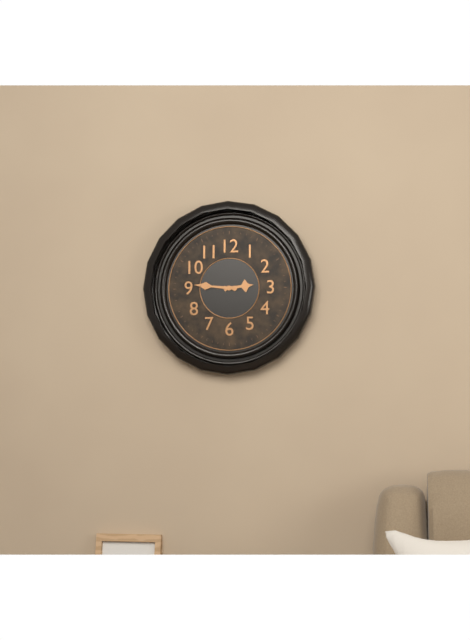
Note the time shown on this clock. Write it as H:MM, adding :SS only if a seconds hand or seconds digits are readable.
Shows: 2:46
